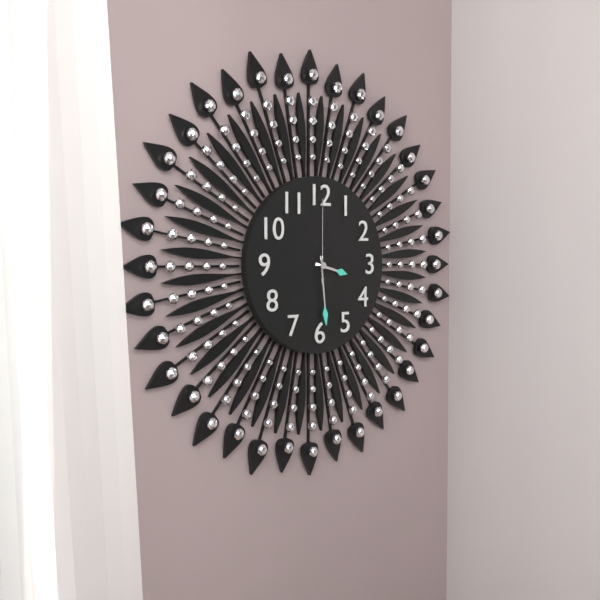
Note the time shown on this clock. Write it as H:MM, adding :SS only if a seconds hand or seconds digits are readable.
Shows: 3:29:00
